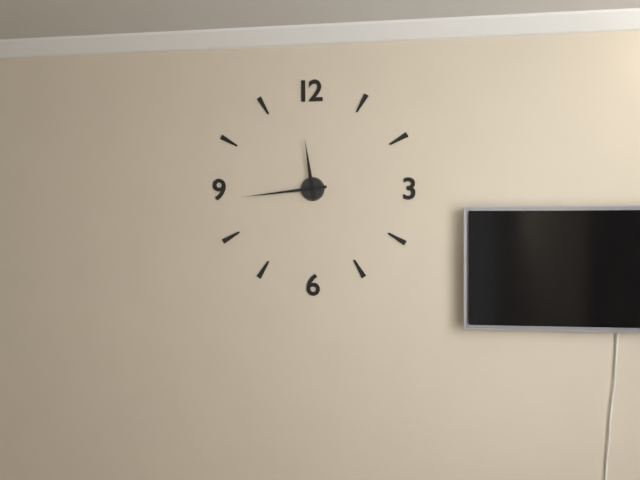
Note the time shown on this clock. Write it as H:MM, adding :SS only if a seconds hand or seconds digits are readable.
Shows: 11:44
